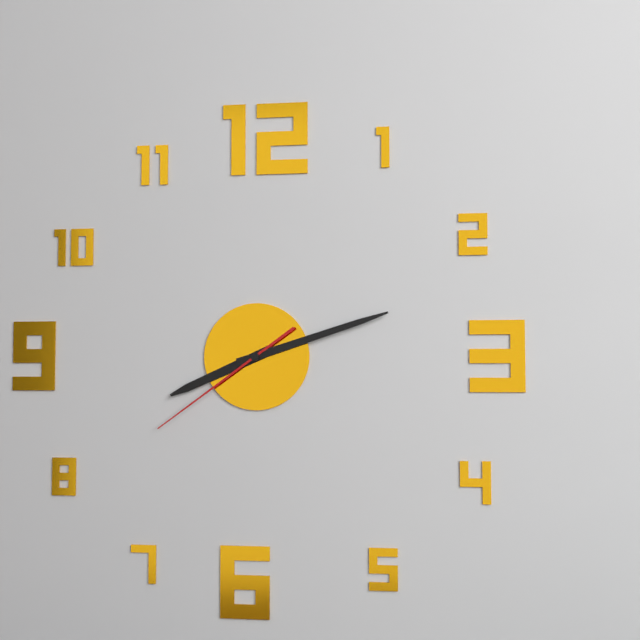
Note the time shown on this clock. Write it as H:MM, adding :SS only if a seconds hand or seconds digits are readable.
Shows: 8:12:39
